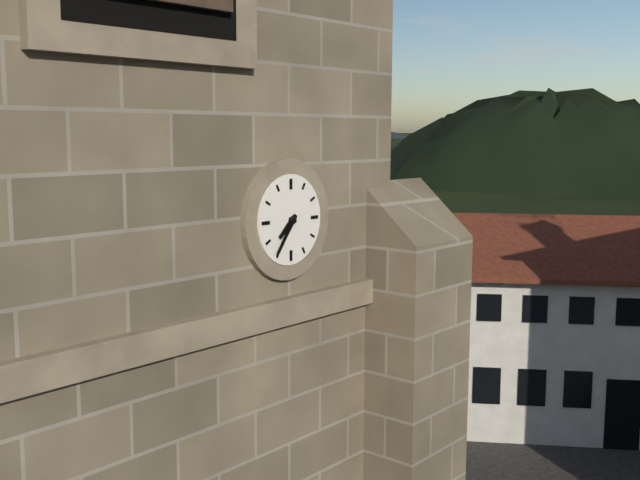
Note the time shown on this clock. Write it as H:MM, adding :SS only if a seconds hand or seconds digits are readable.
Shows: 7:36
